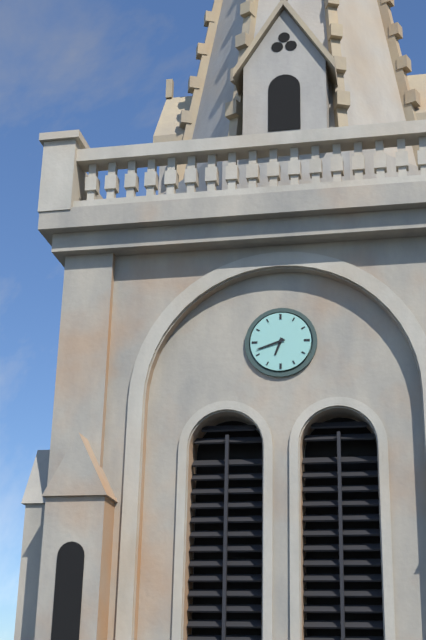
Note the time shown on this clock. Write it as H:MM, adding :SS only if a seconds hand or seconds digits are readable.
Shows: 6:42
